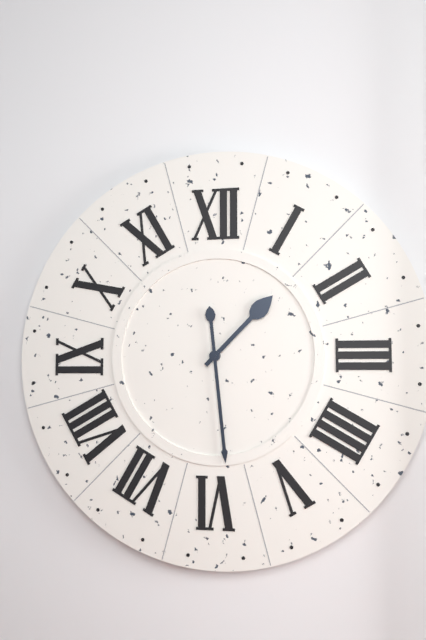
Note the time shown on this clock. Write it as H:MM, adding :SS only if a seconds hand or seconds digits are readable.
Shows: 1:29
